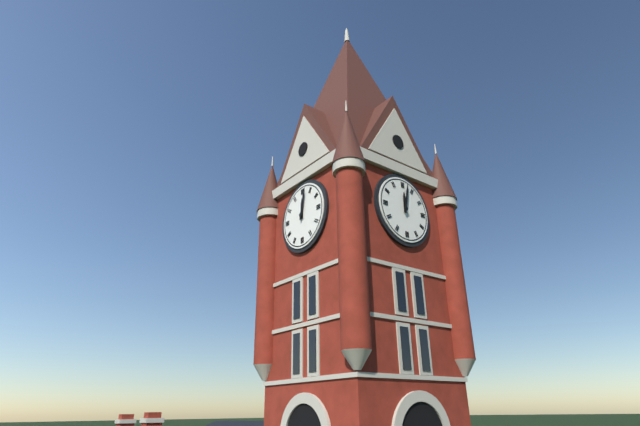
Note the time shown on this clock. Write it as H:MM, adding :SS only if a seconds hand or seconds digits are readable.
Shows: 12:02
